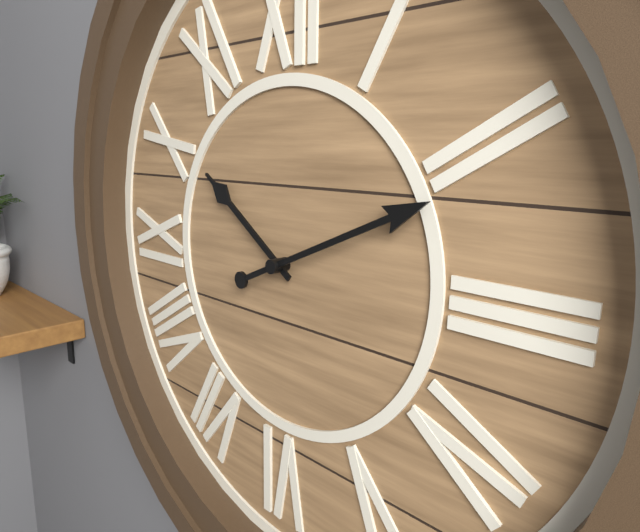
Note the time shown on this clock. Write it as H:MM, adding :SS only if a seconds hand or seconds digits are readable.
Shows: 10:11
